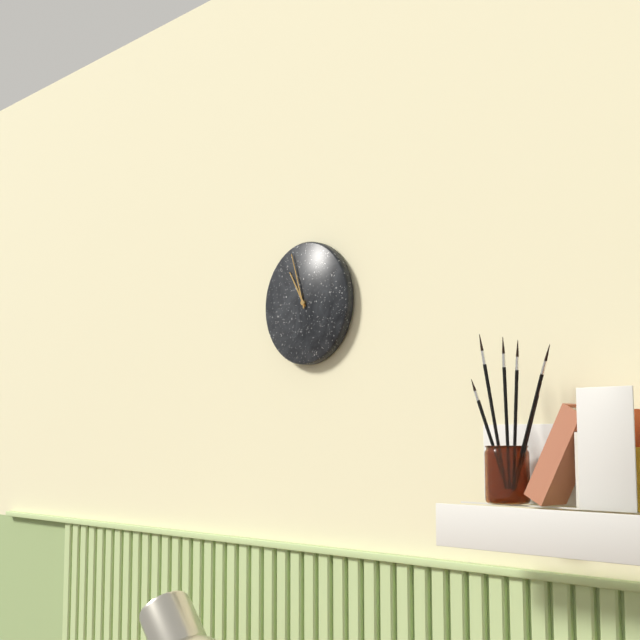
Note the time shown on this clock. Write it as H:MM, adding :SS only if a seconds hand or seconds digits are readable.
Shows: 10:57
